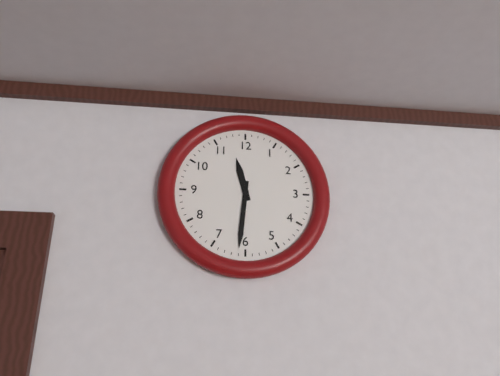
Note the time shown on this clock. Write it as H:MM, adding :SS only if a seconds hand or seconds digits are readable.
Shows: 11:31
